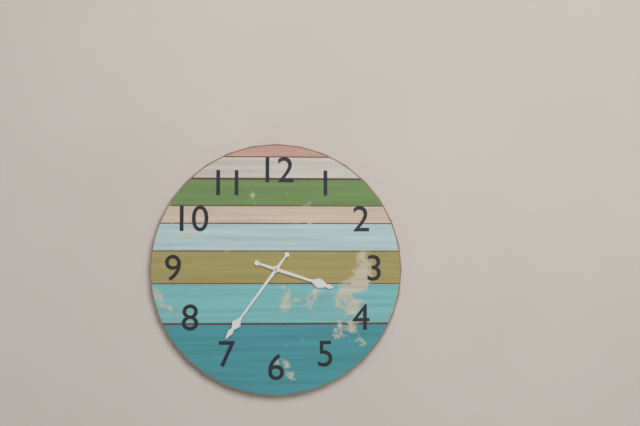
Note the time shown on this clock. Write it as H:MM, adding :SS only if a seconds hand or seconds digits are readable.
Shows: 3:36
